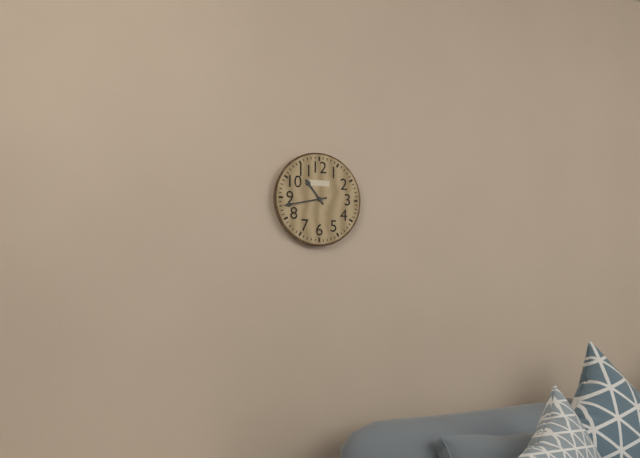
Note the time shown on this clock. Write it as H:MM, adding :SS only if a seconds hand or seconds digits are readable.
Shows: 10:43
